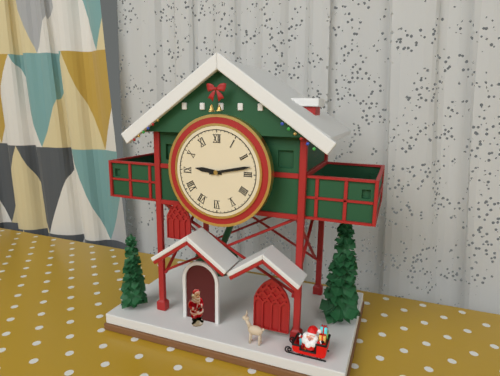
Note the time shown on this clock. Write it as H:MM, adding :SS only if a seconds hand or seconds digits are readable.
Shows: 9:13
